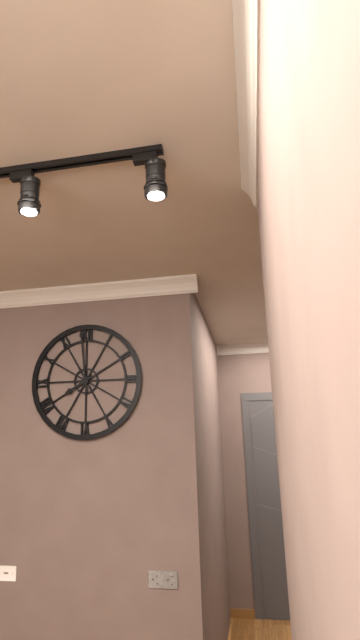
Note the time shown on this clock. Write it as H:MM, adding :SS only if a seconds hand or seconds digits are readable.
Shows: 7:59
